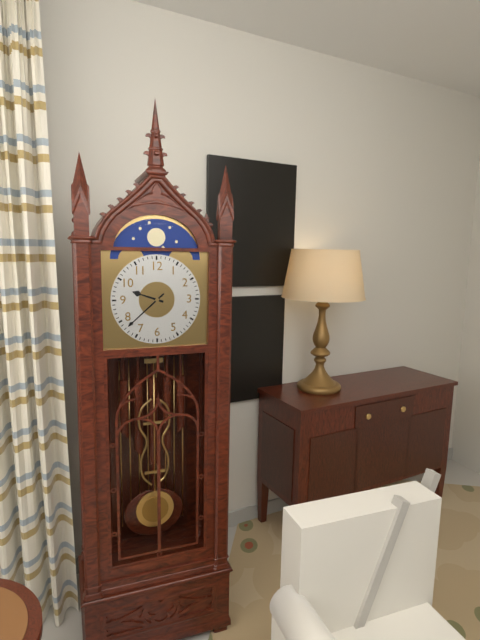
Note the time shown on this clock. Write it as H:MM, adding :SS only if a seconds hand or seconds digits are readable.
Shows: 9:38
